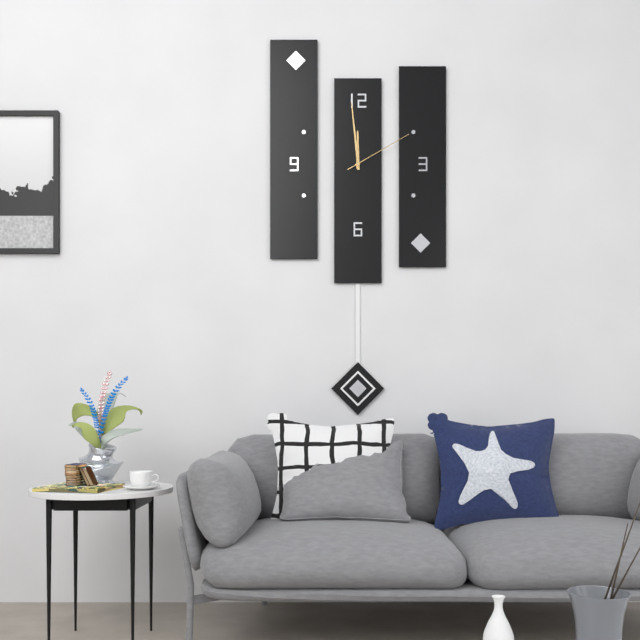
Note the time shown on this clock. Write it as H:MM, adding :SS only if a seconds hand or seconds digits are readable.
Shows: 11:59:10
